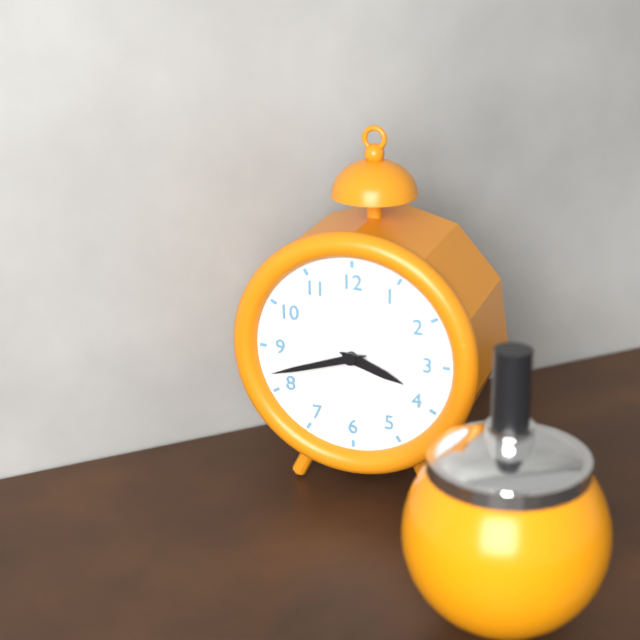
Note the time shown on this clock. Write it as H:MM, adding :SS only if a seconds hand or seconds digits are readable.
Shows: 3:42
